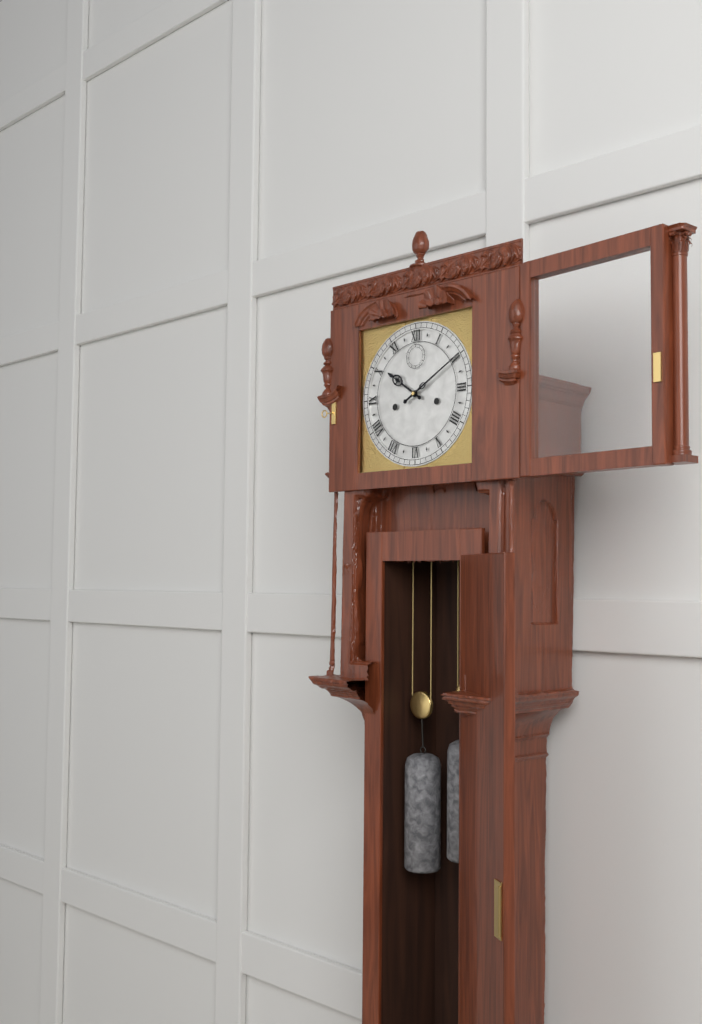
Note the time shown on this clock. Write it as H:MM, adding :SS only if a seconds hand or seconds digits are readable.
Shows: 10:10
